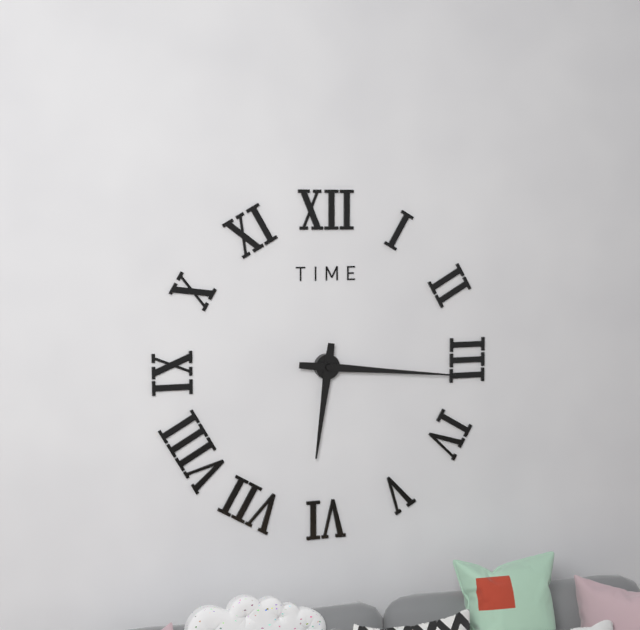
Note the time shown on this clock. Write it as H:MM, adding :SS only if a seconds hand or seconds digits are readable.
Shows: 6:16
